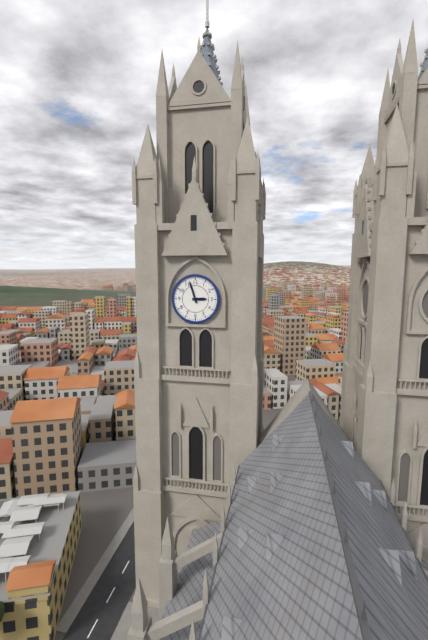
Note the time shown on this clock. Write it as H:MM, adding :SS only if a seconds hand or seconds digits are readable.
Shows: 2:57
